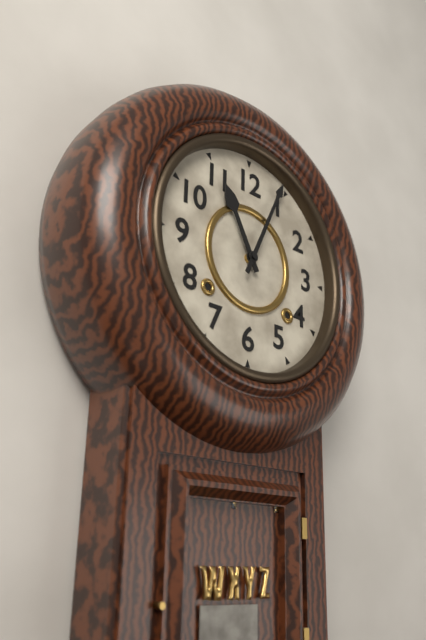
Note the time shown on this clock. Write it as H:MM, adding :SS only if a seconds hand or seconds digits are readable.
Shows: 11:04
